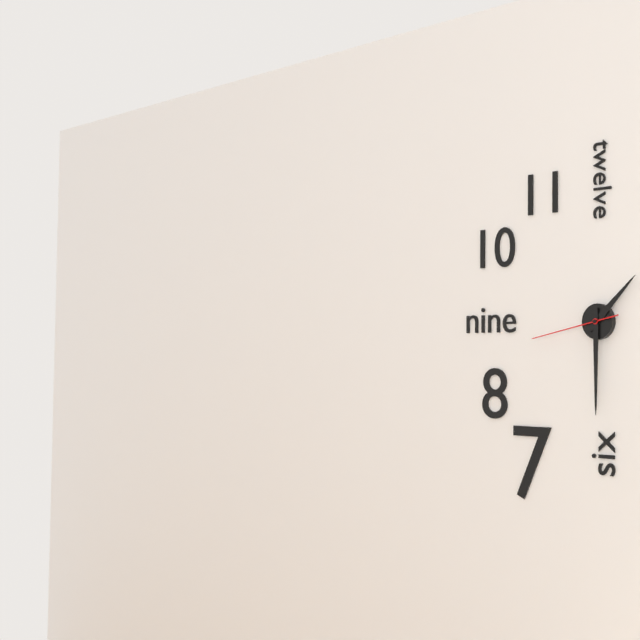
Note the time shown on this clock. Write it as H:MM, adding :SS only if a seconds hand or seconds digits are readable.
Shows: 1:30:43
